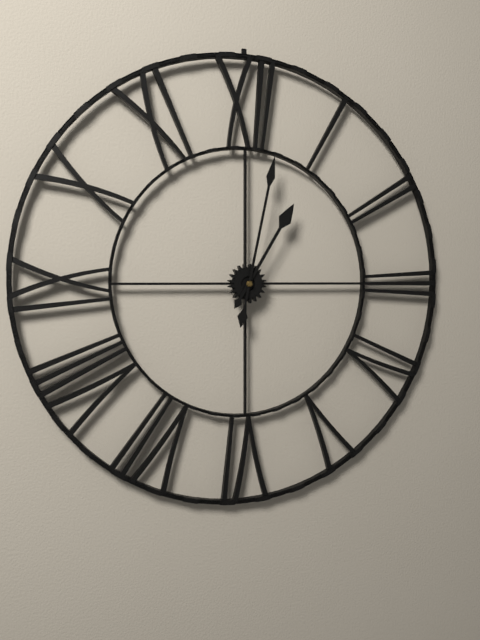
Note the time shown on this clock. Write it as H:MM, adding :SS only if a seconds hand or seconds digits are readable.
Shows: 1:02
